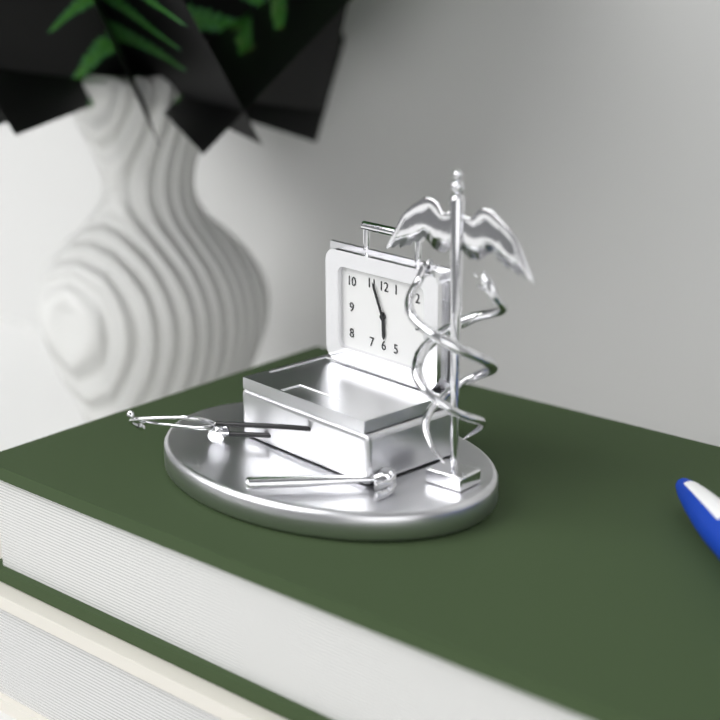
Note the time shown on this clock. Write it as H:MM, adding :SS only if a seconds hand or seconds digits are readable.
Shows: 5:56
